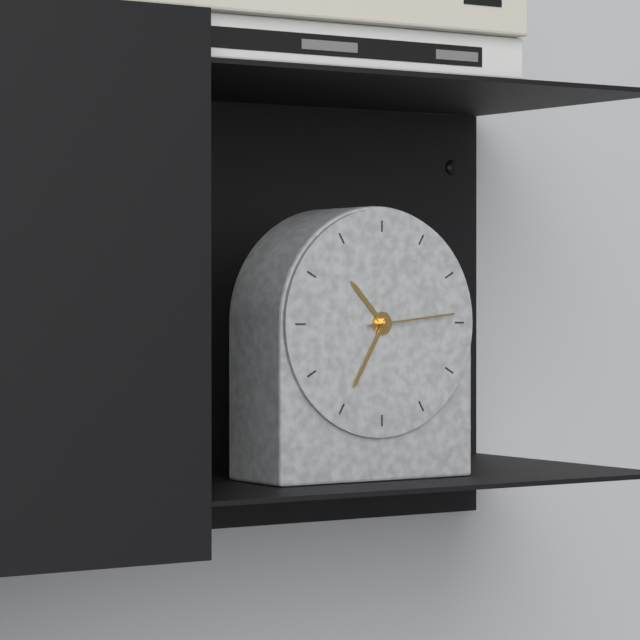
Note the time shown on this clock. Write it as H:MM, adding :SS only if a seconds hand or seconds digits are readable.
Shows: 10:35:14
